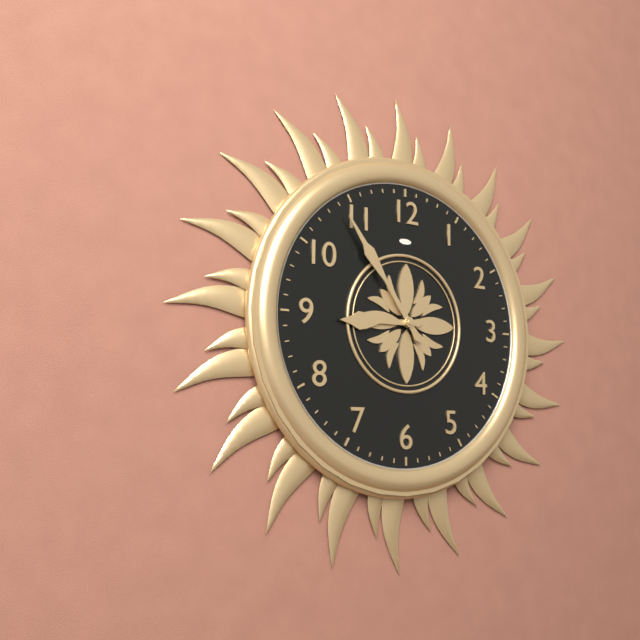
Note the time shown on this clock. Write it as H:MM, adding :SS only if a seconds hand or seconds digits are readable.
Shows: 8:54
